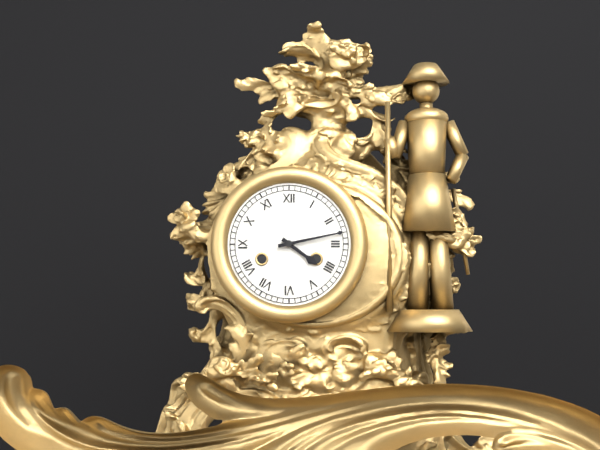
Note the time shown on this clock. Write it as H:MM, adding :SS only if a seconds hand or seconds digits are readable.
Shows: 4:13
